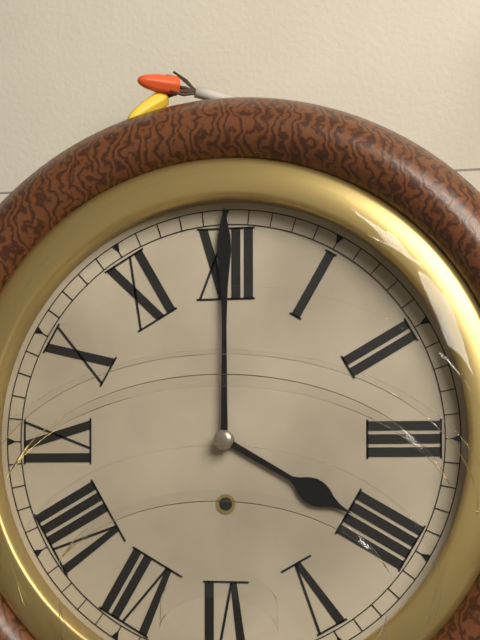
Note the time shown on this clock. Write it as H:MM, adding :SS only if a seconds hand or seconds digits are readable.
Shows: 4:00
